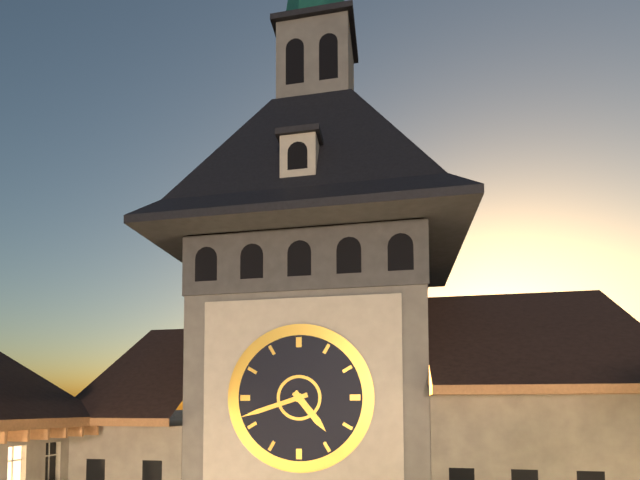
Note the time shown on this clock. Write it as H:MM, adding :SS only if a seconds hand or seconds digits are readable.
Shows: 4:42
